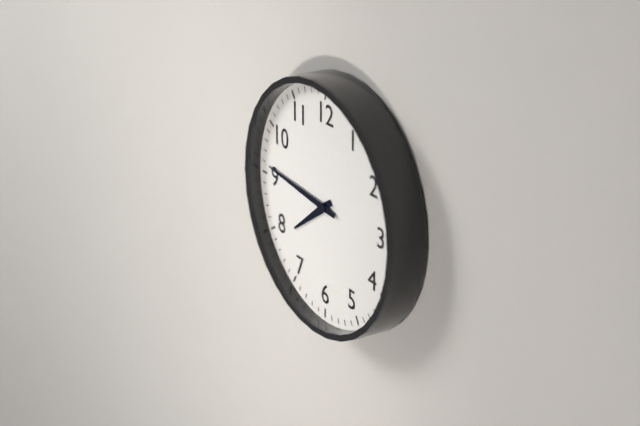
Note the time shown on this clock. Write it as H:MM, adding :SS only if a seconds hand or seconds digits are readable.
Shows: 7:46
